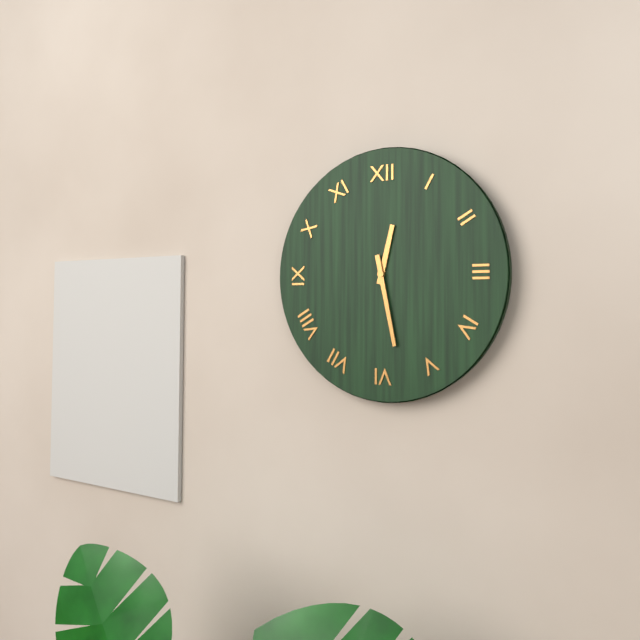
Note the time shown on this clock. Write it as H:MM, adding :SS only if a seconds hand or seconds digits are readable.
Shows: 12:28
